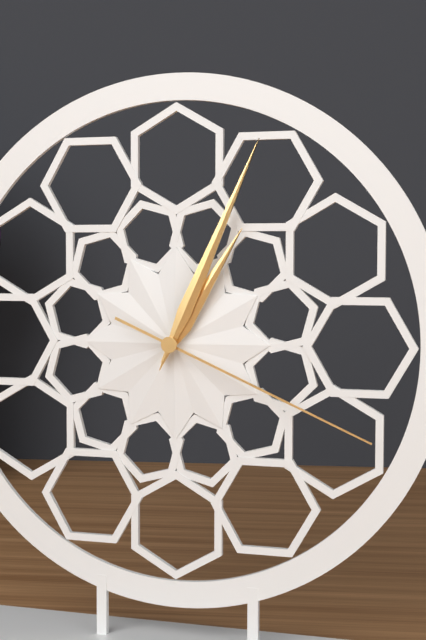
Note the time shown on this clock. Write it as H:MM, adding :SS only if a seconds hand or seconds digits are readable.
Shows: 1:04:19
